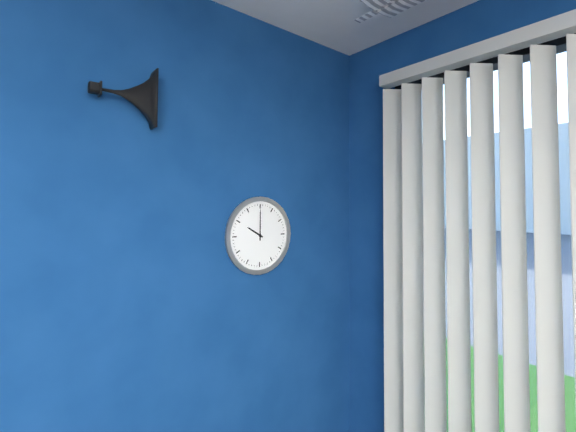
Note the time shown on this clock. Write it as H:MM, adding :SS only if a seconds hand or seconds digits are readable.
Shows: 10:00
